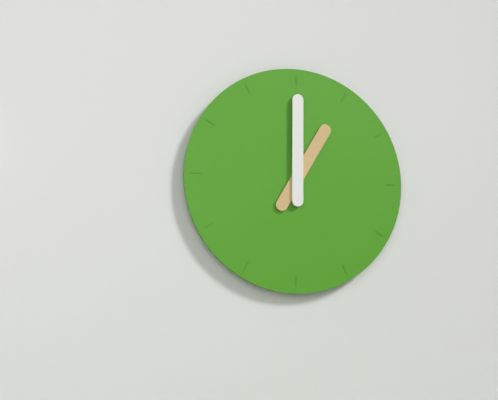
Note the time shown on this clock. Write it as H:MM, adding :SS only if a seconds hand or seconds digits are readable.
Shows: 1:00
